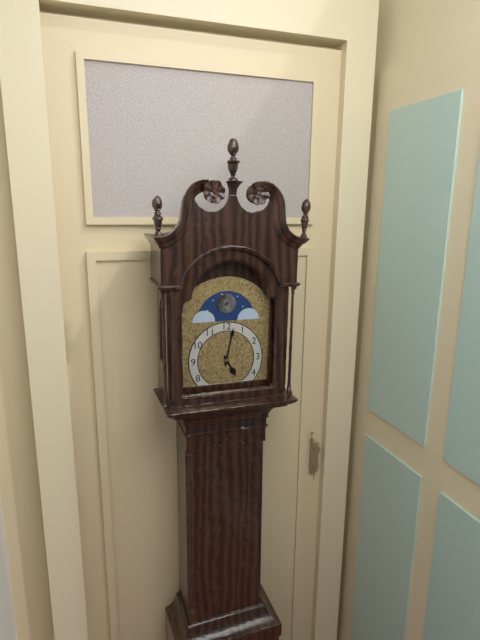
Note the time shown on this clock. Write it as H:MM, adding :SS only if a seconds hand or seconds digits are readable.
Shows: 5:02
